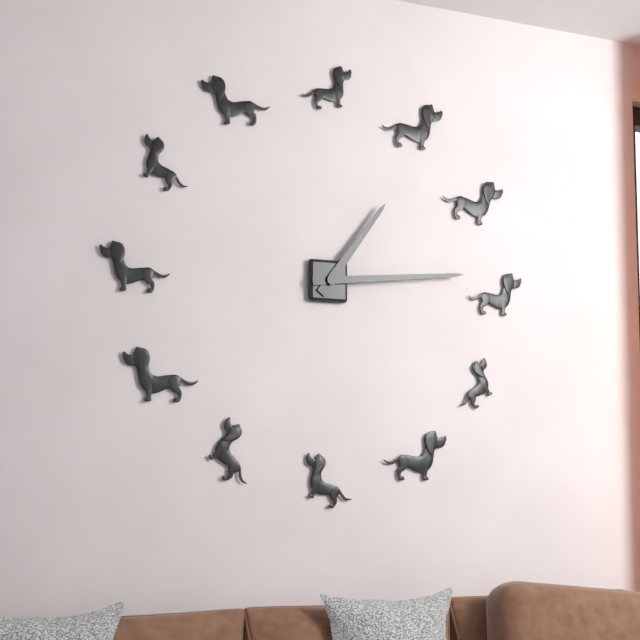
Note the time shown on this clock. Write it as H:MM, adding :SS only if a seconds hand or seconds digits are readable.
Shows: 1:14
